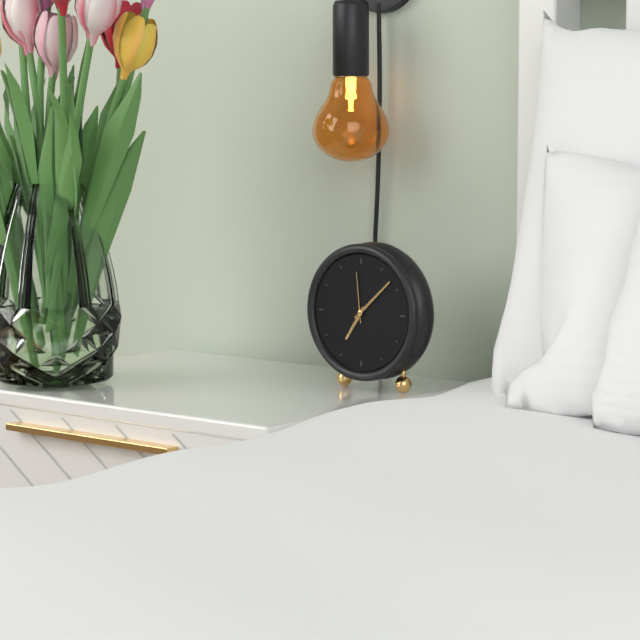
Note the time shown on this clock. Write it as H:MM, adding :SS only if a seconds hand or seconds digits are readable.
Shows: 7:08:59
